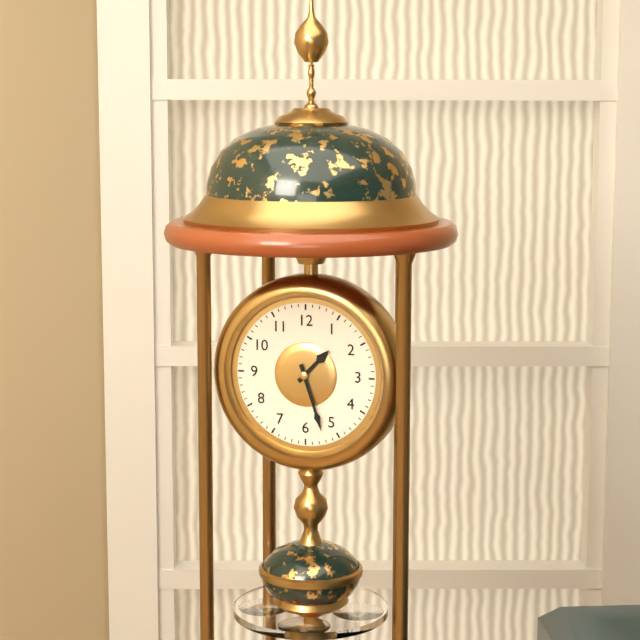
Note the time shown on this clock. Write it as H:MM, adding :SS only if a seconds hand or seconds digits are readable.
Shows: 1:27
